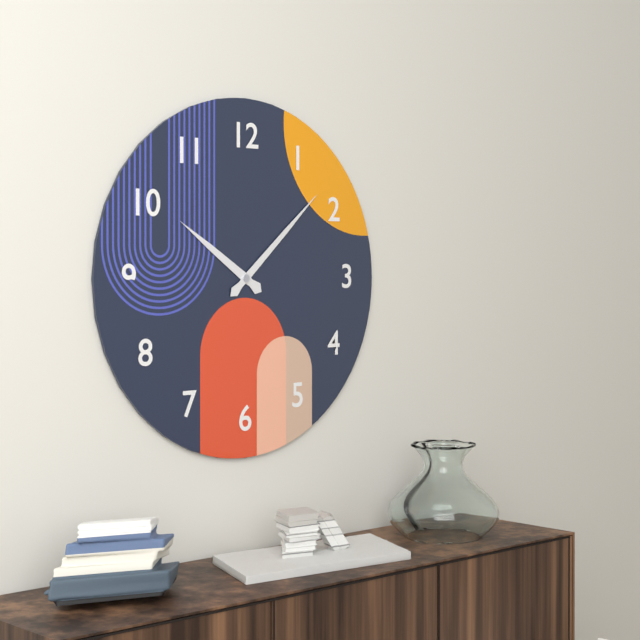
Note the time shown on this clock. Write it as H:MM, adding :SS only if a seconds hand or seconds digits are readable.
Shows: 10:08
